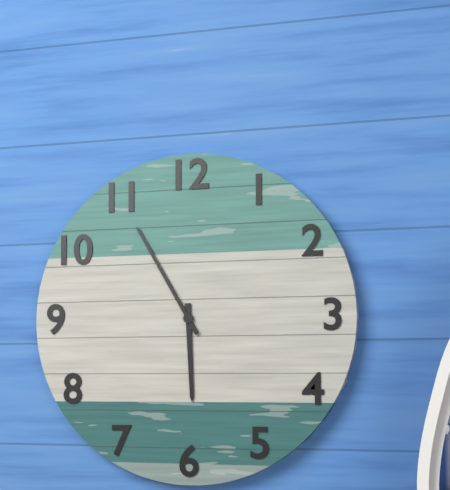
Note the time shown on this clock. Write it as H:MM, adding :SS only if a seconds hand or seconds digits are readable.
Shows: 5:55
